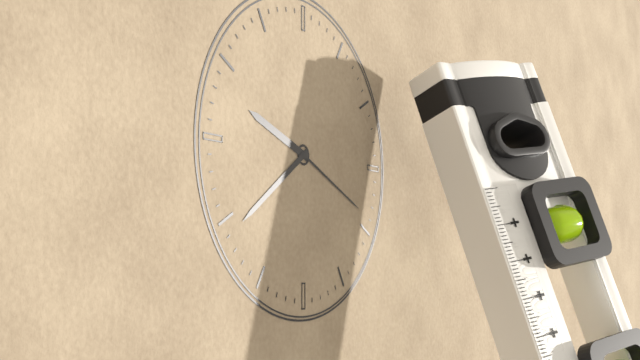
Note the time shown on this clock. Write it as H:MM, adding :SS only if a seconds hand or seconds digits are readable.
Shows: 9:39:19
